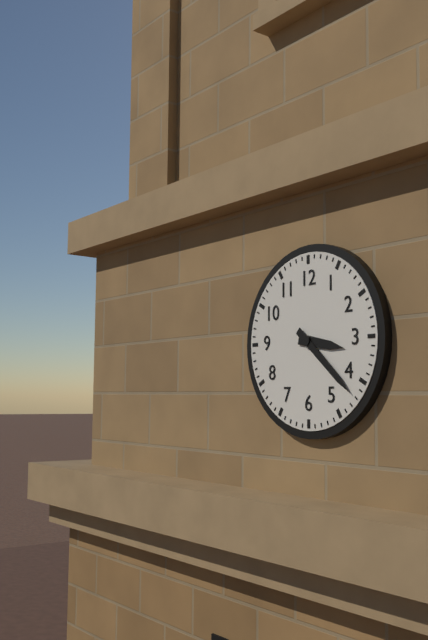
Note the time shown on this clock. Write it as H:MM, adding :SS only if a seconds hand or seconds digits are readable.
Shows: 3:22
